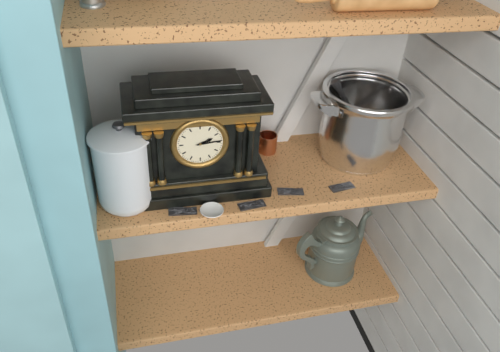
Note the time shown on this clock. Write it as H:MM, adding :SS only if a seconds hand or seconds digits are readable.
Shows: 2:14
